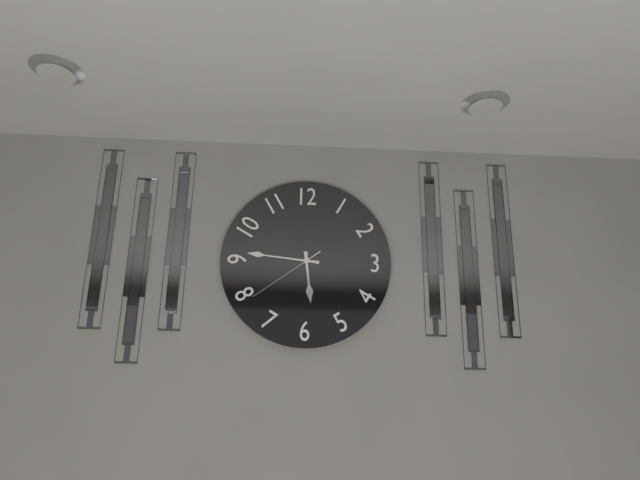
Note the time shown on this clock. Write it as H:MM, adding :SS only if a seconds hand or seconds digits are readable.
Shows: 5:46:39
